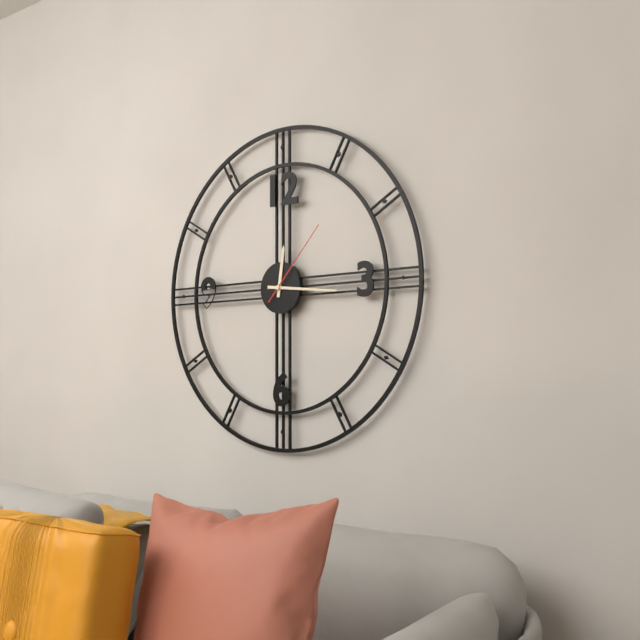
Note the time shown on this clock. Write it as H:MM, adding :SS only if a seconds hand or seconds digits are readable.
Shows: 12:16:07
